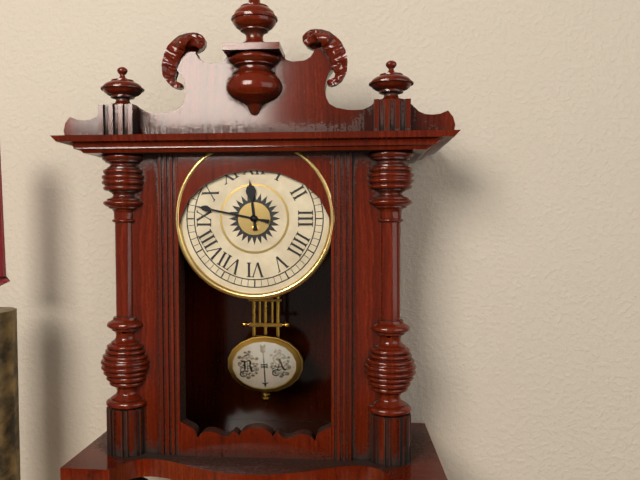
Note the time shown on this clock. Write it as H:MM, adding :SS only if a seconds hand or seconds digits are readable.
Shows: 11:47
